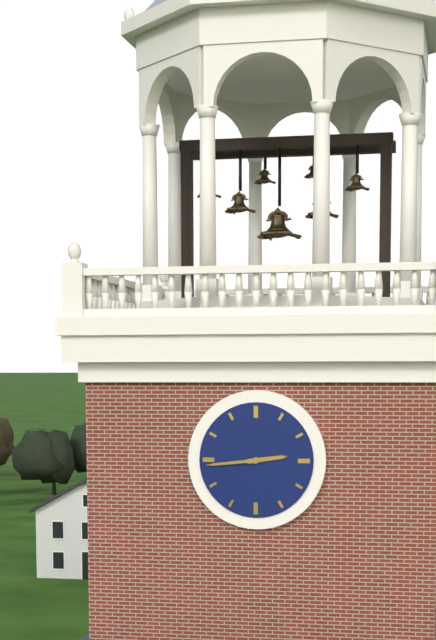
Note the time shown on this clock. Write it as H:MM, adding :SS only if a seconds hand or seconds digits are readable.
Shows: 2:44
